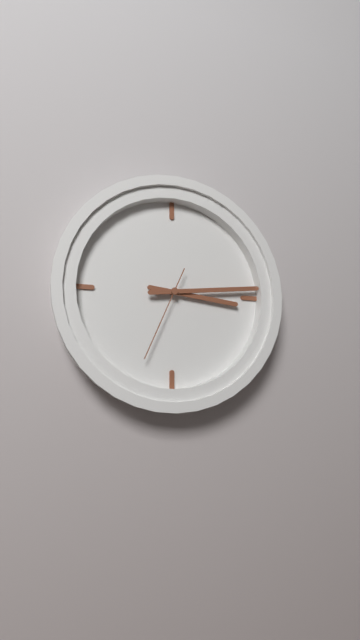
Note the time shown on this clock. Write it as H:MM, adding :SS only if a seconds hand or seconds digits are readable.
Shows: 3:14:34
